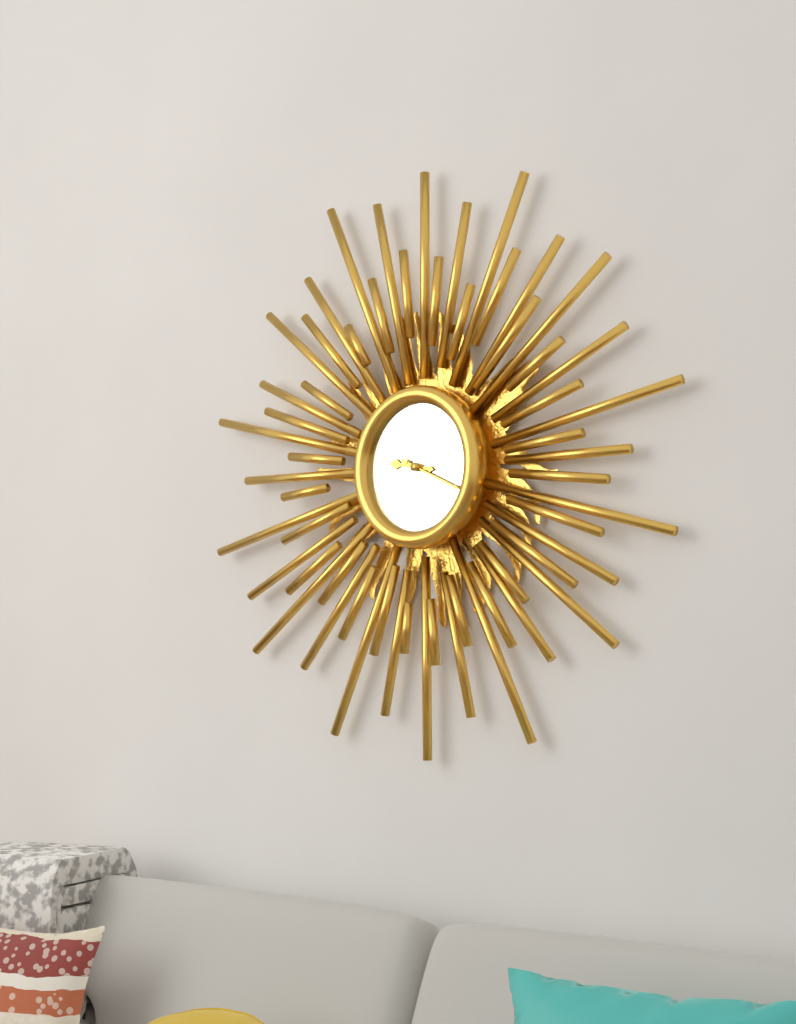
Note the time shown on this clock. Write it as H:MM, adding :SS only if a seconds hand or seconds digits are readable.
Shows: 9:19
